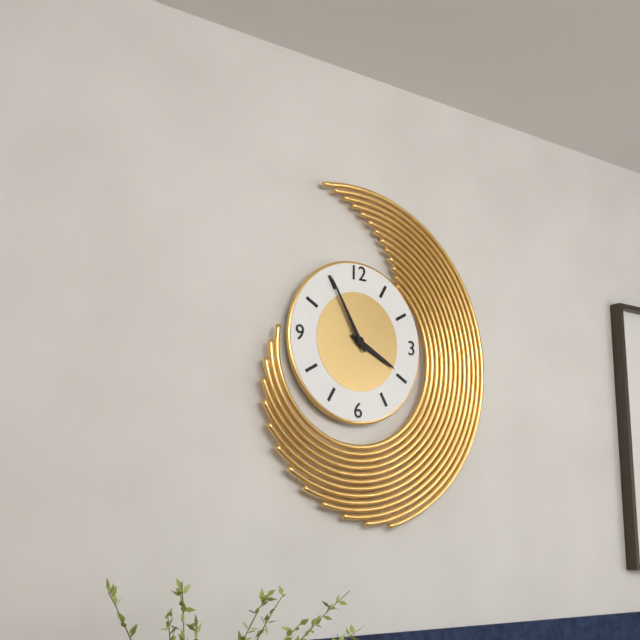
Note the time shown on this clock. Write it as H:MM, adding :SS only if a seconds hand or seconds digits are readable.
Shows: 3:55
